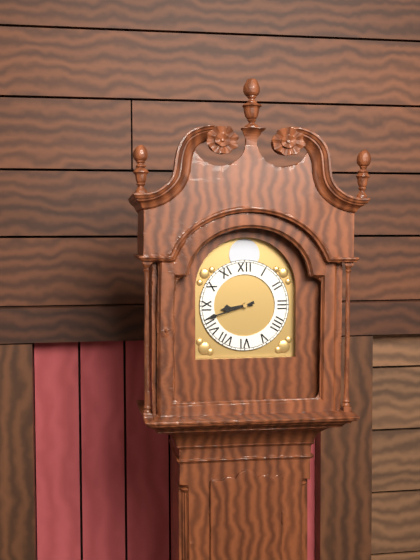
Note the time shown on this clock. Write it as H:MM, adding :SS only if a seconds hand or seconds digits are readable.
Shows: 8:42
